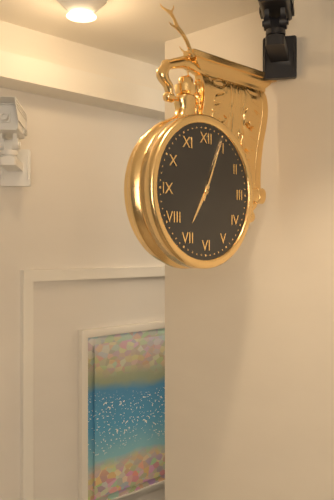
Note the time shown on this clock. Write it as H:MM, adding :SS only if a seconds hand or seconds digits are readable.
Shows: 7:04
